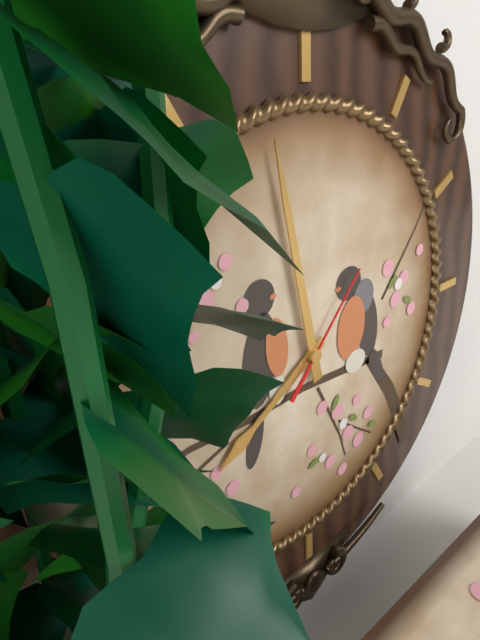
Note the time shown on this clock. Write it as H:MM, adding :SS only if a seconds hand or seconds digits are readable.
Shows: 7:58:07
